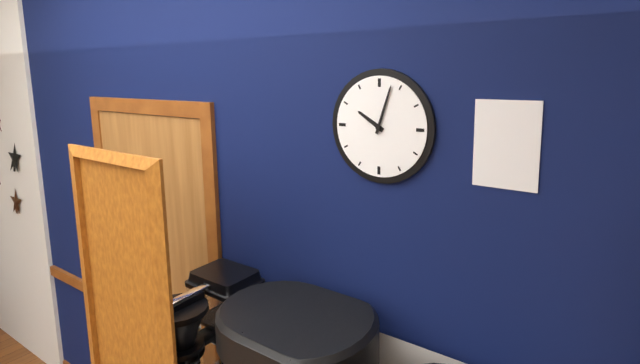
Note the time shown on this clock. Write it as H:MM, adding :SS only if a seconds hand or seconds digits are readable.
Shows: 10:03
